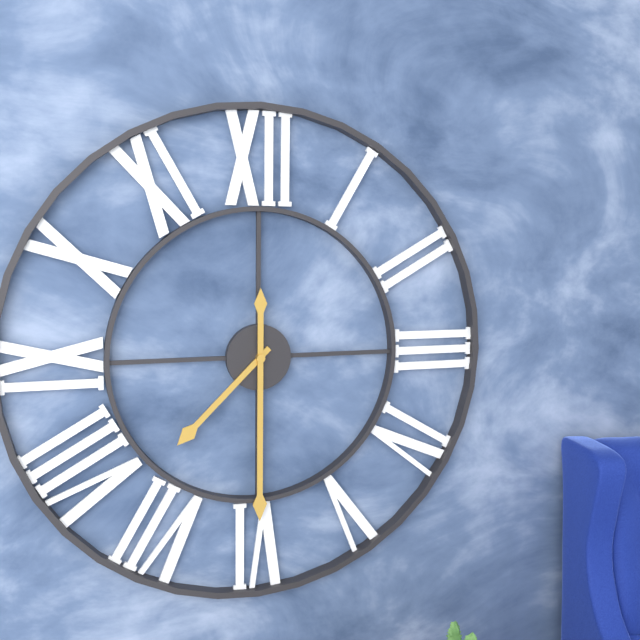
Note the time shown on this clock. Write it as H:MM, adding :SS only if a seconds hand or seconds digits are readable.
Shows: 7:30
